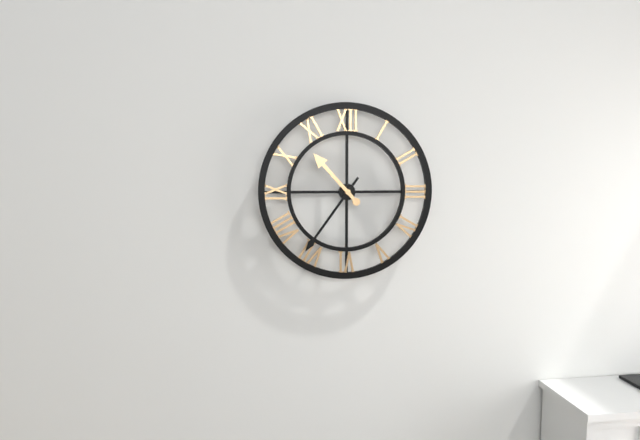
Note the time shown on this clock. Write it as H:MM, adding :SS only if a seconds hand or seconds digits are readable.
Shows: 10:36
